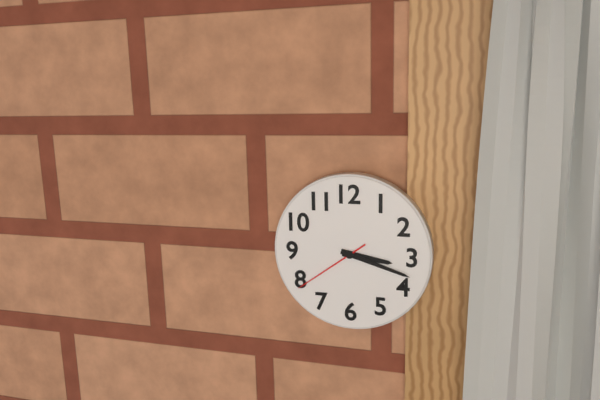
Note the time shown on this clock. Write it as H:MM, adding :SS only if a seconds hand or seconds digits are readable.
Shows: 3:18:39
